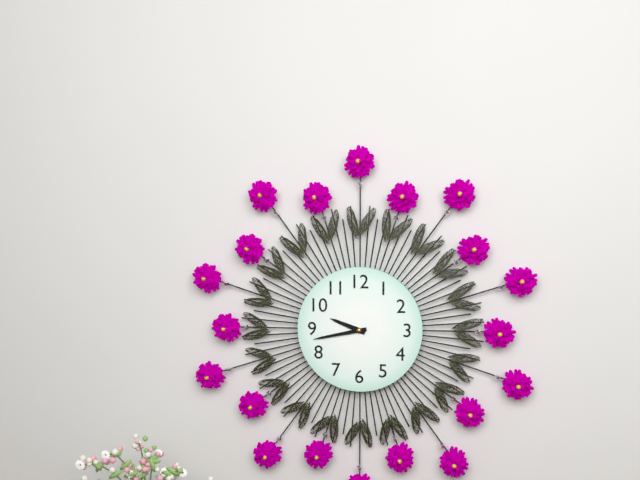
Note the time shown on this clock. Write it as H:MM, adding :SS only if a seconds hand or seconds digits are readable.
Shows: 9:43
